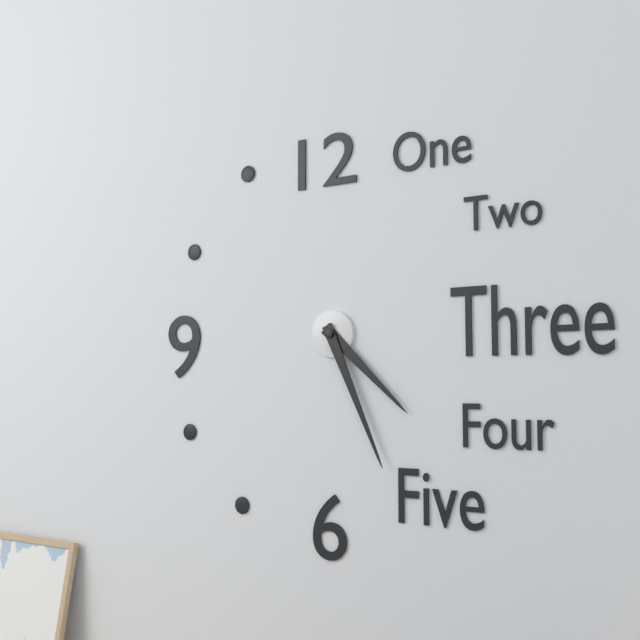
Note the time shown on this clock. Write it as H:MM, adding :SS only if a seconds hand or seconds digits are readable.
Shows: 4:26
